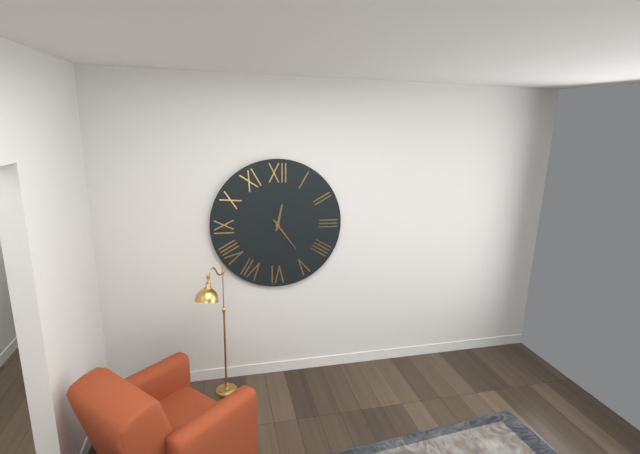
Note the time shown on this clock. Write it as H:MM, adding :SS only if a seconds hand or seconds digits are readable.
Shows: 12:24
